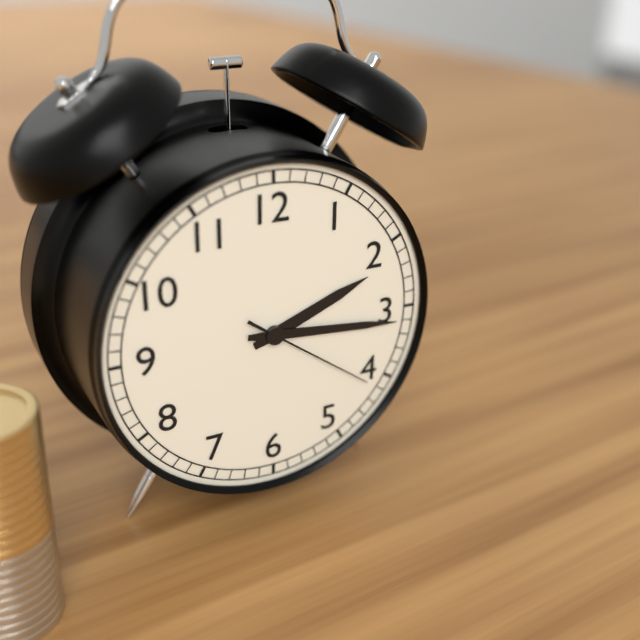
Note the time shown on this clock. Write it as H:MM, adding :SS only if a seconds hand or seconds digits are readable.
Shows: 2:16:21
